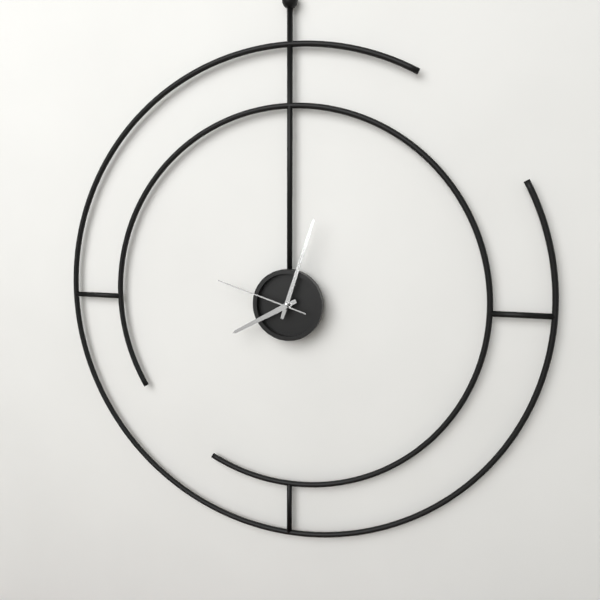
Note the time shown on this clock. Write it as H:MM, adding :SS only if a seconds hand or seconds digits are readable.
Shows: 8:03:48
